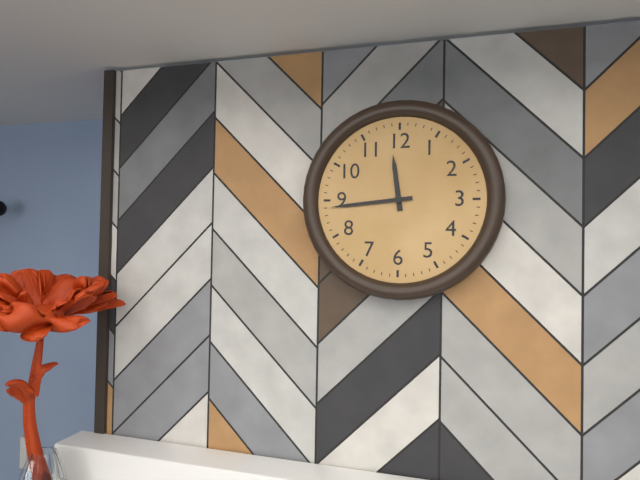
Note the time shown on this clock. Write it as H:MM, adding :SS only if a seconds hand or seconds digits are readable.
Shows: 11:44
